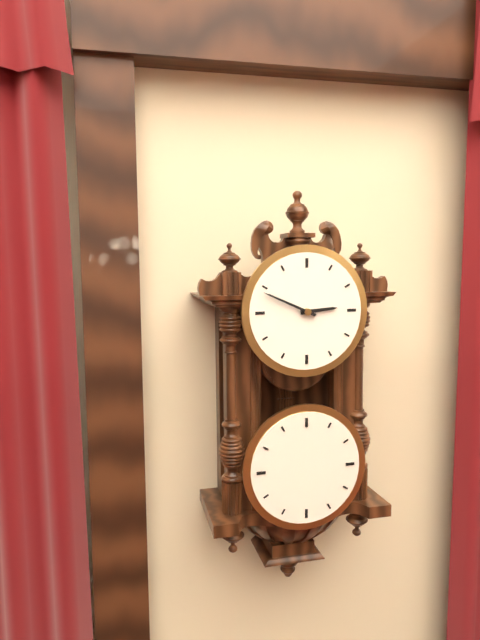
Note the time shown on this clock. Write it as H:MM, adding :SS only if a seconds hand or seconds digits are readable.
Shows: 2:49
